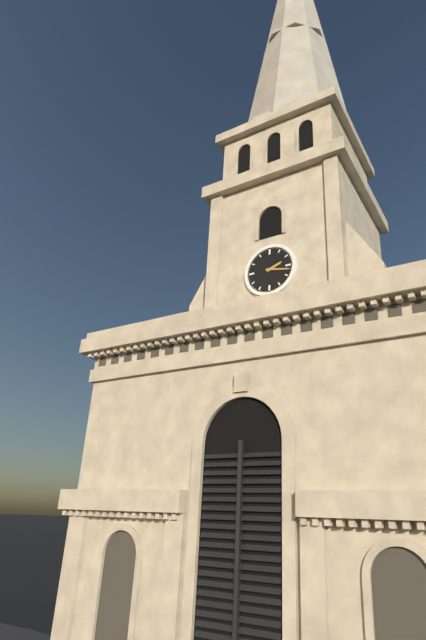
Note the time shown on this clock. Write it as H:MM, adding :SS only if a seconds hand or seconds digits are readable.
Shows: 2:17
